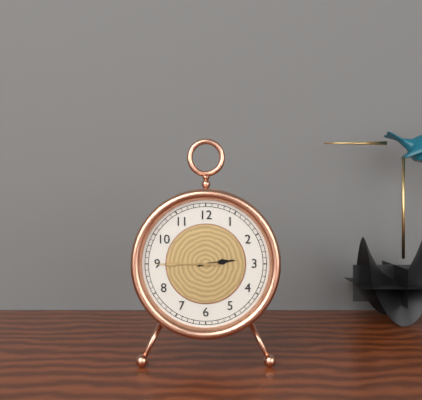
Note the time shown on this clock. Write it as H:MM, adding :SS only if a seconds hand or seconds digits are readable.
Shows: 2:45
